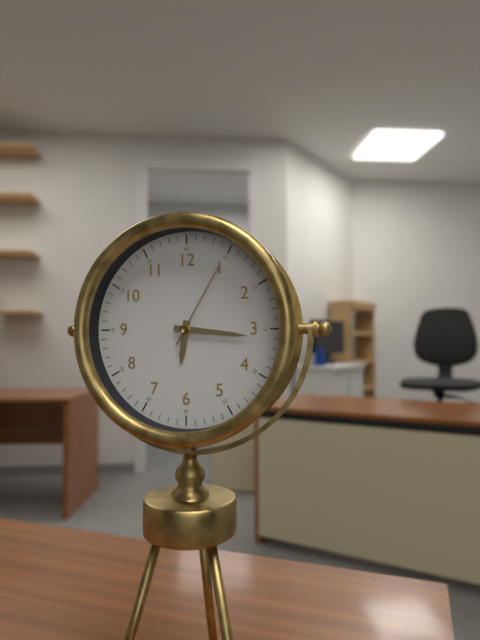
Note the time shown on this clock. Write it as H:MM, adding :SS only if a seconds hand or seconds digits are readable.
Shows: 6:16:05
